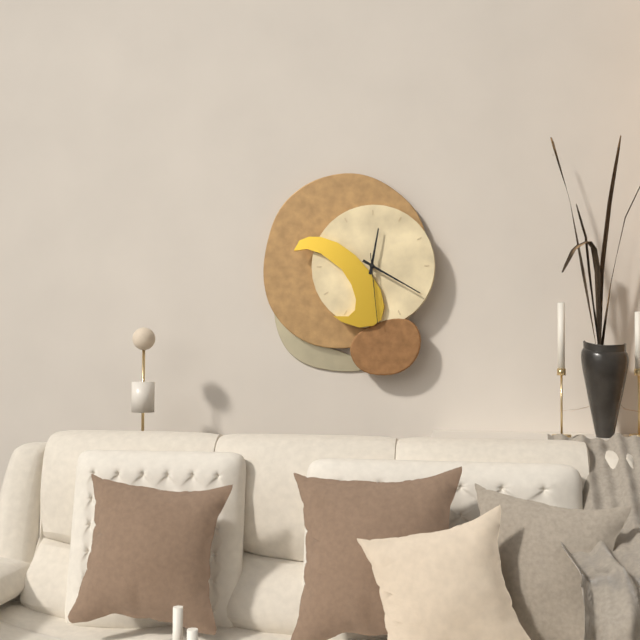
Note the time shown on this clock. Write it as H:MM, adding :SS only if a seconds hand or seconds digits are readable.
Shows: 12:20:29
